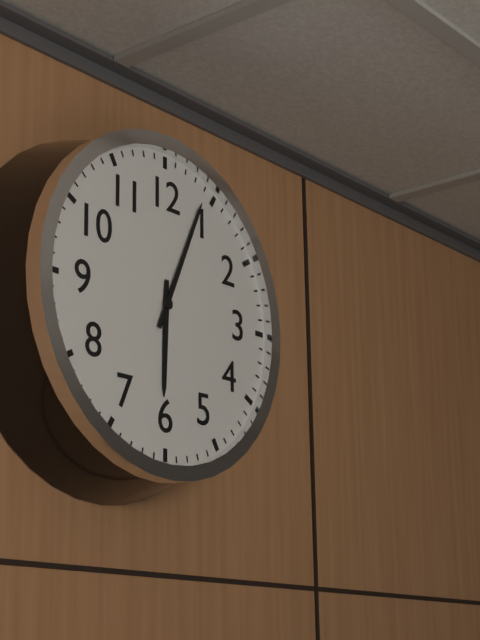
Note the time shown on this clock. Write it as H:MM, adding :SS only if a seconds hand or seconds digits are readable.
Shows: 6:04
